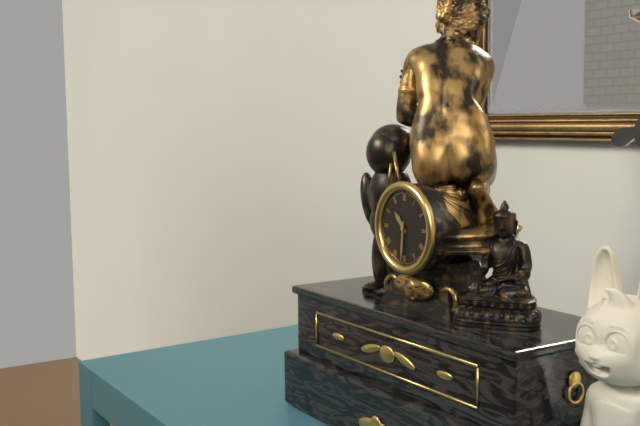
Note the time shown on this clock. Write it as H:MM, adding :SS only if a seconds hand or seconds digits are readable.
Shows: 10:31
